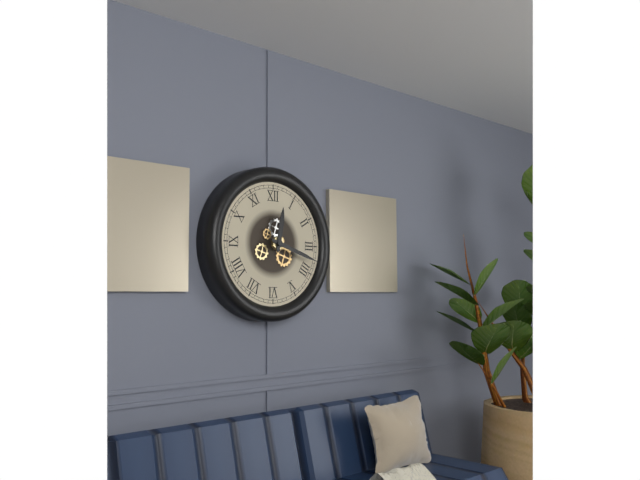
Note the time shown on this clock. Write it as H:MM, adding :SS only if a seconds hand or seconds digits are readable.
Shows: 12:18
